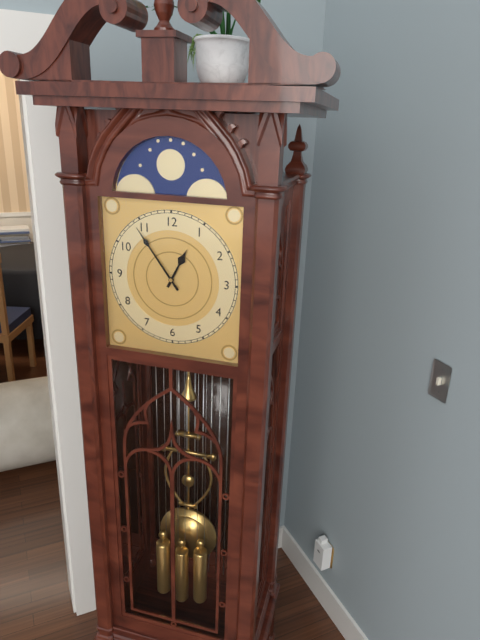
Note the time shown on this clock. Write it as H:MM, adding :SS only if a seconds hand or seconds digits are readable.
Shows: 12:54
